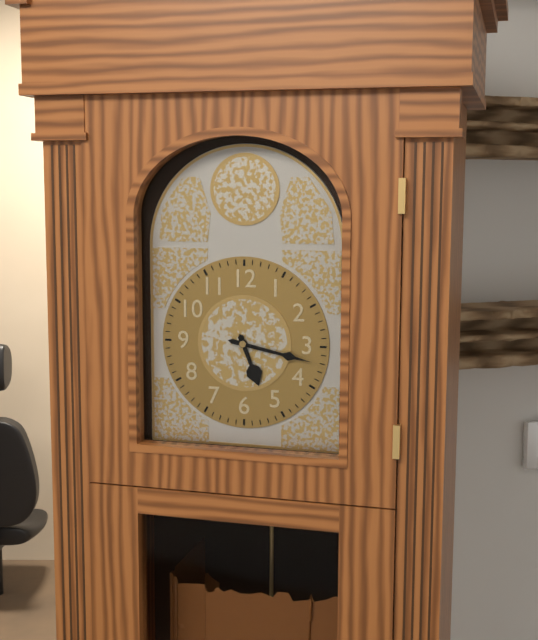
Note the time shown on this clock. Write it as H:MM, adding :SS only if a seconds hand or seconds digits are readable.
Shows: 5:17
